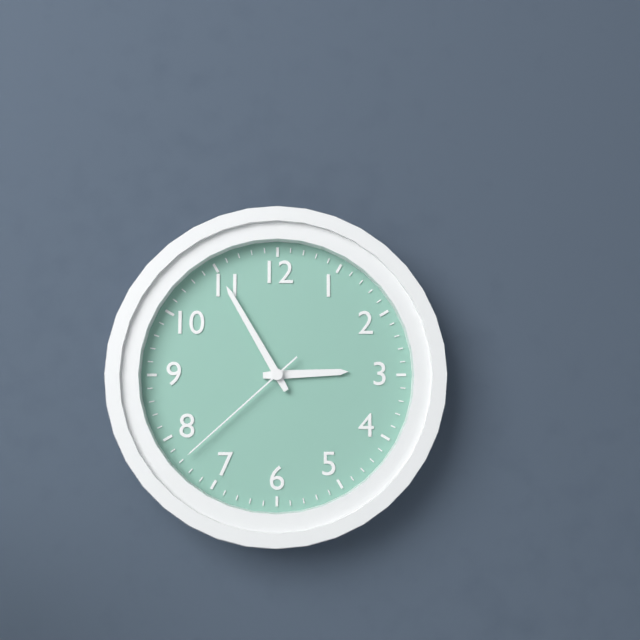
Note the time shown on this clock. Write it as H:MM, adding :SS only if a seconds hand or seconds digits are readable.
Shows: 2:55:38
